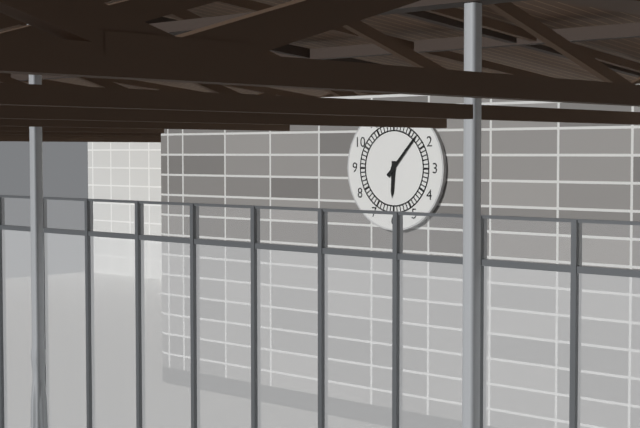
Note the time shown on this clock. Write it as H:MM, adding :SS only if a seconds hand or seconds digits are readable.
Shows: 6:07
